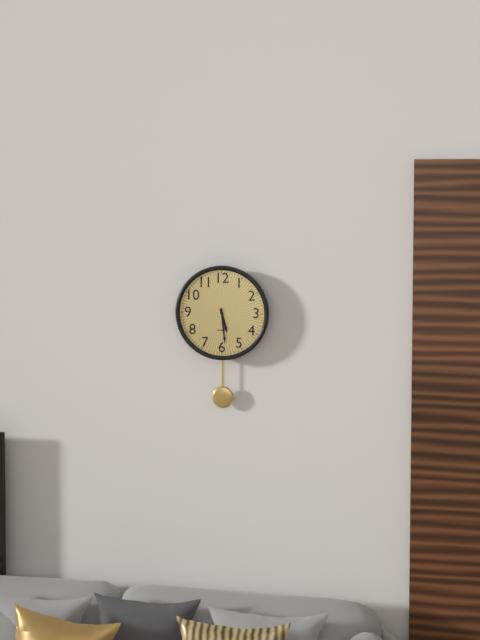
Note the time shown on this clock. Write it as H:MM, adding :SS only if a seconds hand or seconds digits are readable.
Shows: 5:29
